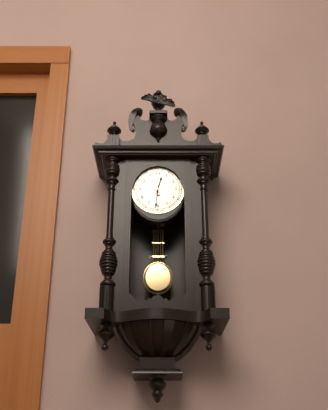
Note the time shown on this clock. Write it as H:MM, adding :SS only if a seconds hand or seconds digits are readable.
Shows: 12:31
